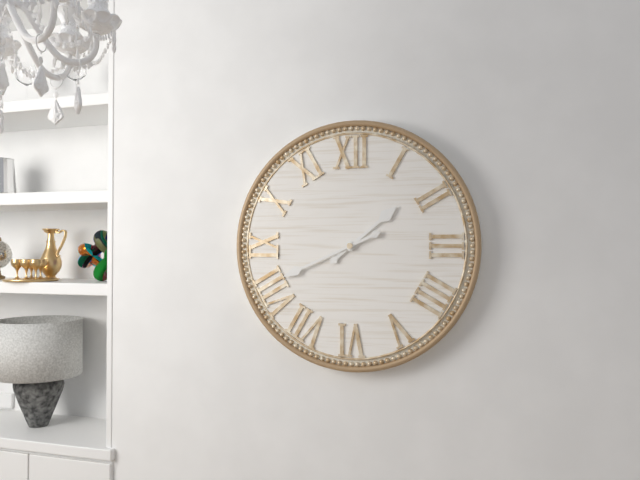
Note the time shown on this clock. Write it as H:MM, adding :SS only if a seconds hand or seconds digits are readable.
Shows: 1:41
